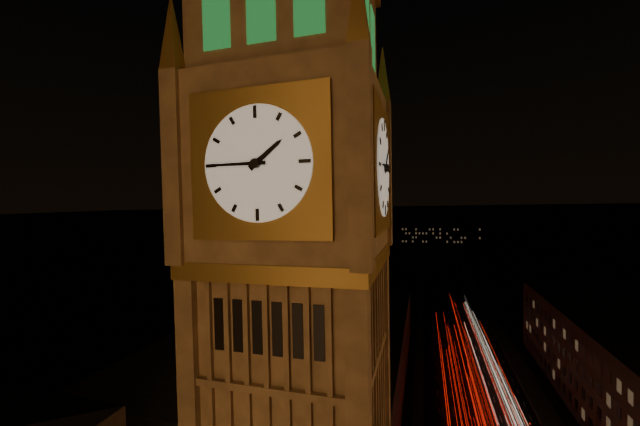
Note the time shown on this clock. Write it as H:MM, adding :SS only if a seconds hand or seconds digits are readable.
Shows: 1:45
